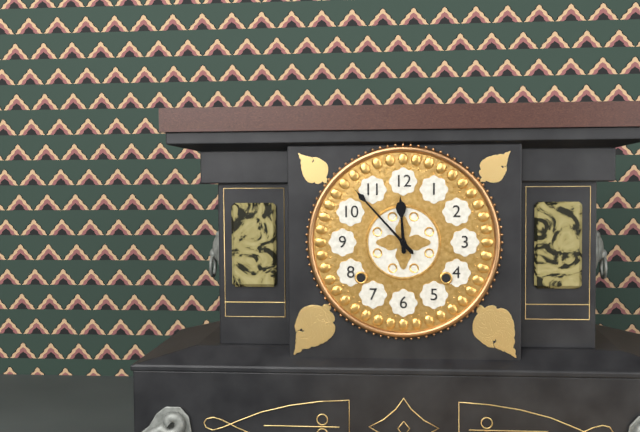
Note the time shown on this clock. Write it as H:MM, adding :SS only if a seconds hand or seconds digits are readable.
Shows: 11:53
